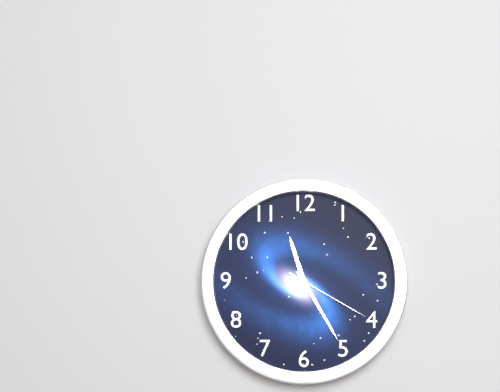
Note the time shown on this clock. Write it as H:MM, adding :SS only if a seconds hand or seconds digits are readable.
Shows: 11:25:20
